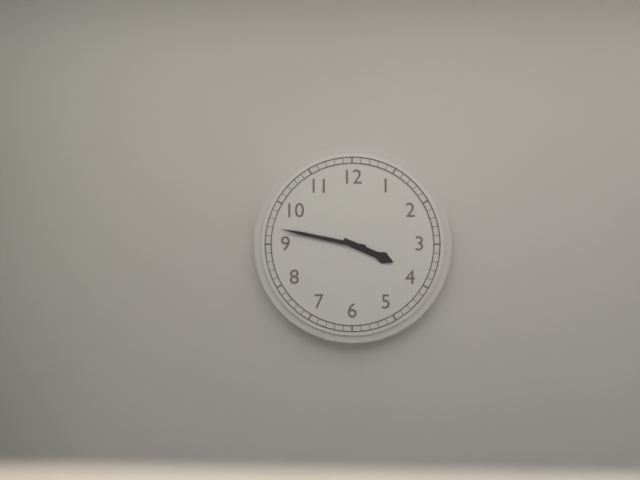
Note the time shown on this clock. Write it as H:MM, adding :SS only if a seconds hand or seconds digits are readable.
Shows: 3:47
